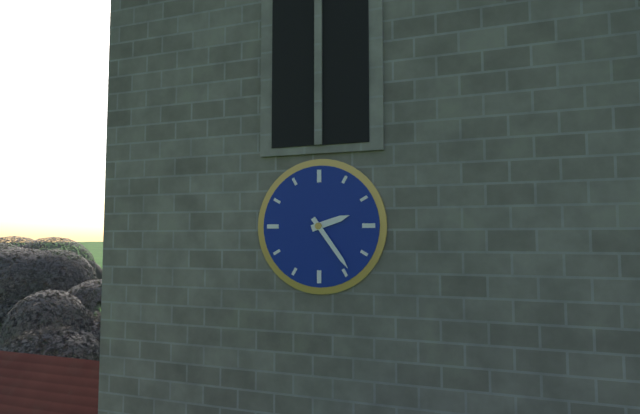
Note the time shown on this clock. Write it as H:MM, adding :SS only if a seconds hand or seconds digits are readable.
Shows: 2:24
